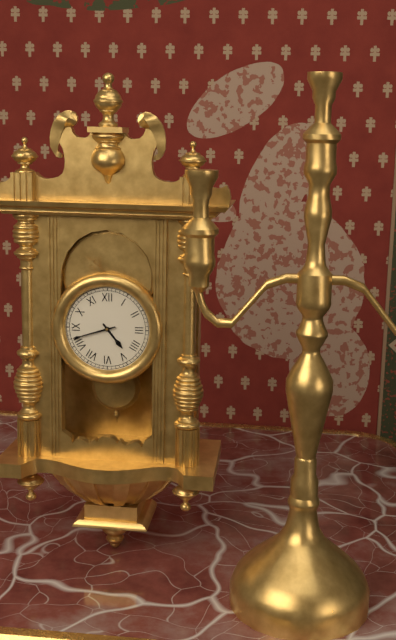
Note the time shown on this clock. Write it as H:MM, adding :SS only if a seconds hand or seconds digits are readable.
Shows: 4:42
